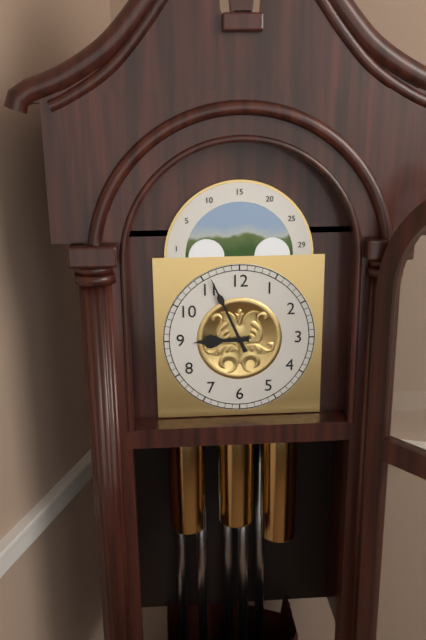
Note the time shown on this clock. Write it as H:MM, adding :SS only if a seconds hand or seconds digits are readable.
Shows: 8:56
